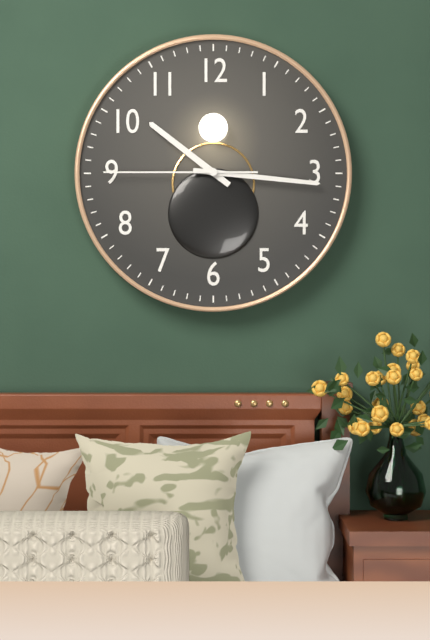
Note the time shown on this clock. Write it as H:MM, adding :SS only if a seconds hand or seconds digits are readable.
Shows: 10:16:45
